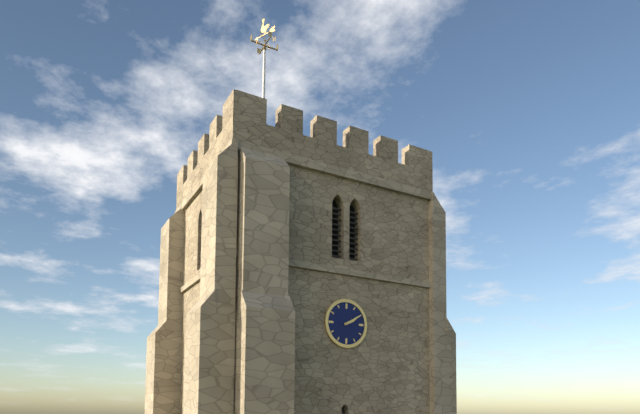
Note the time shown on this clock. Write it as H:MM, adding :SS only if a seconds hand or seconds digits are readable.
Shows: 2:10
